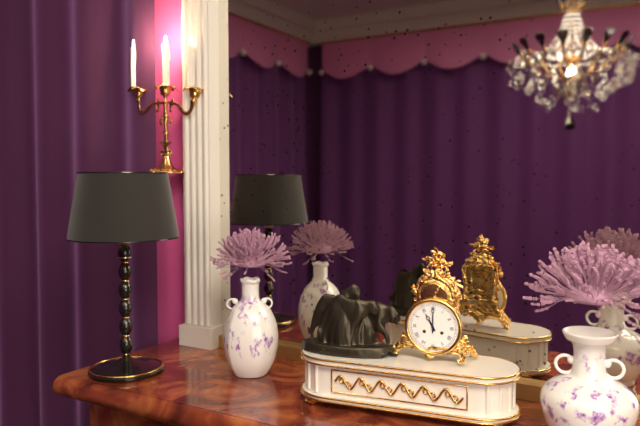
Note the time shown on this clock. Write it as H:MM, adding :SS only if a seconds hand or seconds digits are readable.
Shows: 11:00
